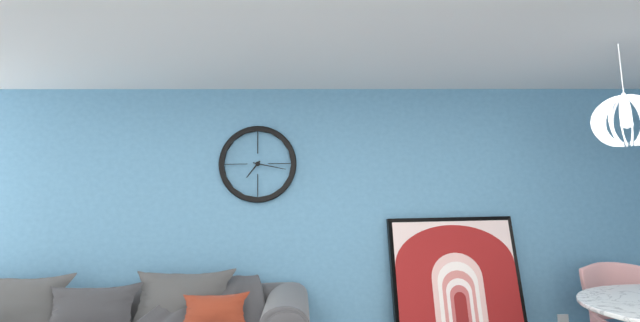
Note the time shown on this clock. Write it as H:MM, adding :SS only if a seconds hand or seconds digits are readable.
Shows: 7:17
